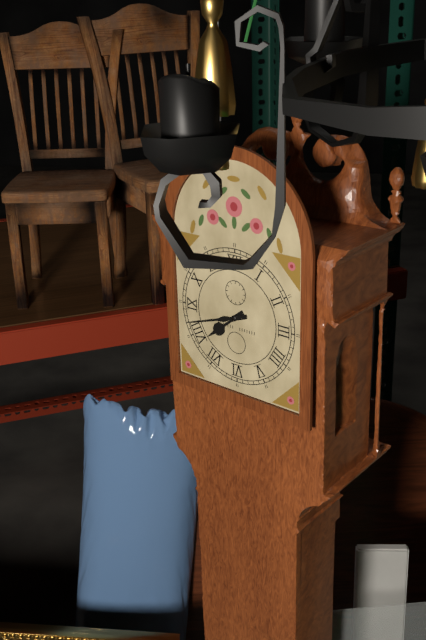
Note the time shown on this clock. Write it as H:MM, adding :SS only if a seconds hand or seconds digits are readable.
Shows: 7:42
